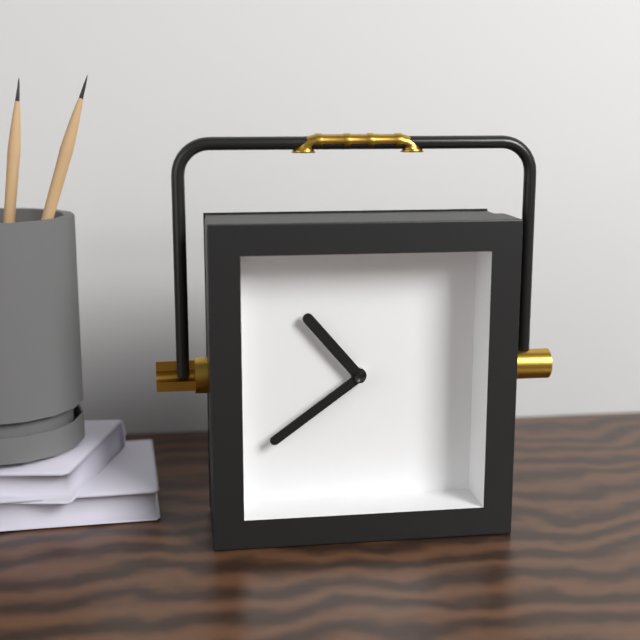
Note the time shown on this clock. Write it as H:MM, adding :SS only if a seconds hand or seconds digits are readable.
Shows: 10:39
